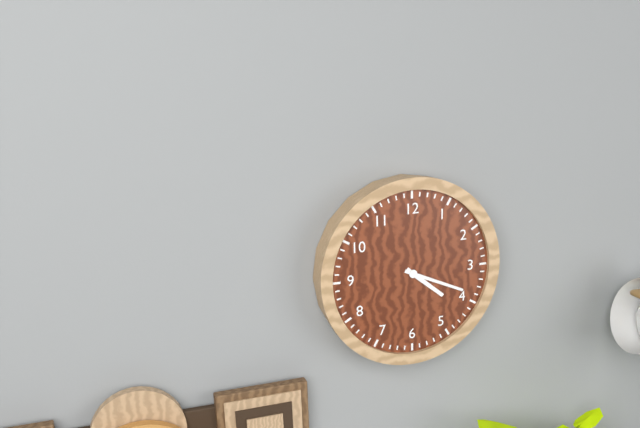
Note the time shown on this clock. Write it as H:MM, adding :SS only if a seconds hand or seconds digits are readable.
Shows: 4:19
